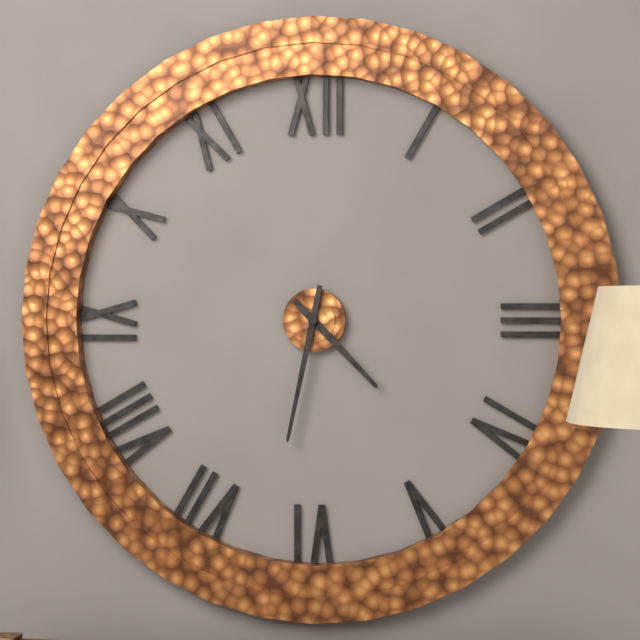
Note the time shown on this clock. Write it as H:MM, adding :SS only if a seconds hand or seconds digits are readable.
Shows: 4:32
